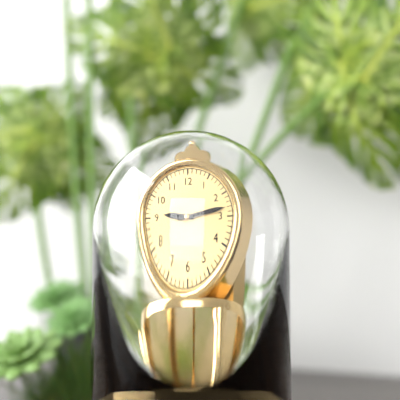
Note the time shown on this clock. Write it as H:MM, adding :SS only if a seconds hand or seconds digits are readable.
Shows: 9:13
